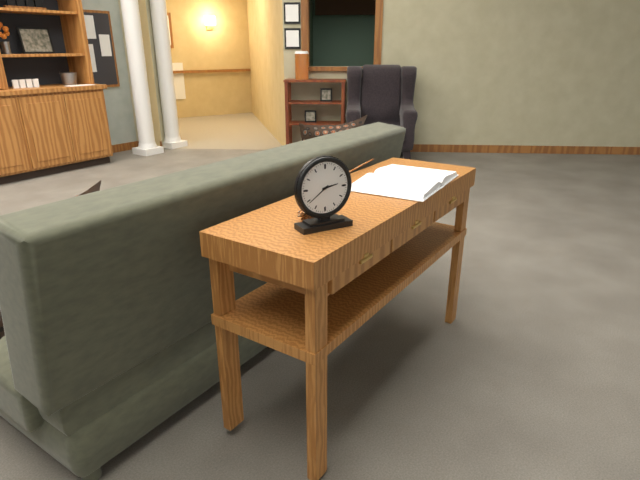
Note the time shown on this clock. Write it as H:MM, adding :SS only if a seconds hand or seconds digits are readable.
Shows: 2:39
